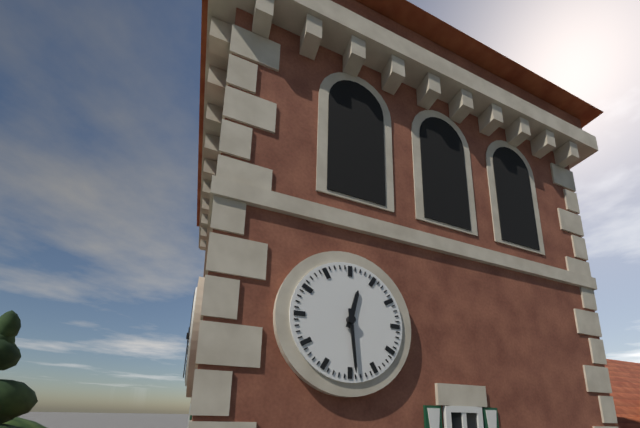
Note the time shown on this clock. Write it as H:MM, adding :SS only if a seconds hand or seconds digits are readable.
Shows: 12:29
